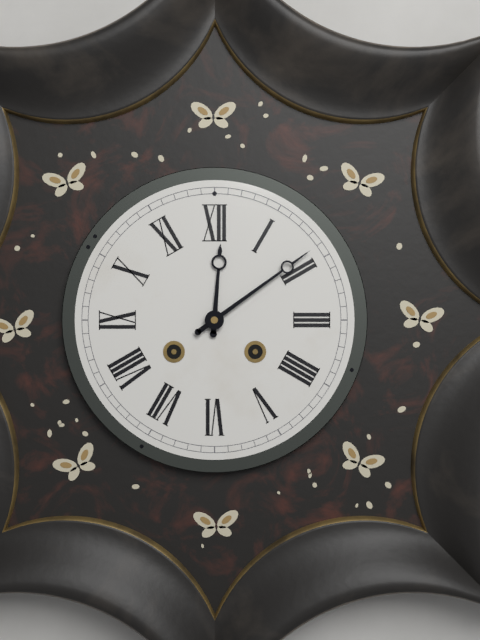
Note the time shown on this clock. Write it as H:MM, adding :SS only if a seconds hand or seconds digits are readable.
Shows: 12:09
